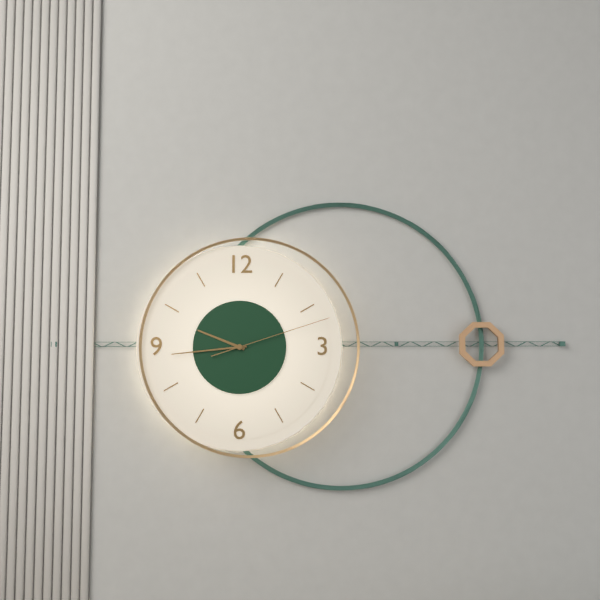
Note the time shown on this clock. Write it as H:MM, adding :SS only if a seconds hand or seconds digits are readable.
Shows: 9:44:12
